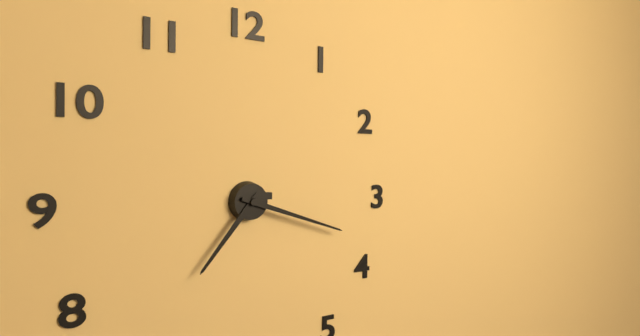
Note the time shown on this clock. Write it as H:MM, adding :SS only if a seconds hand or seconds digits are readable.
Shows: 7:18
